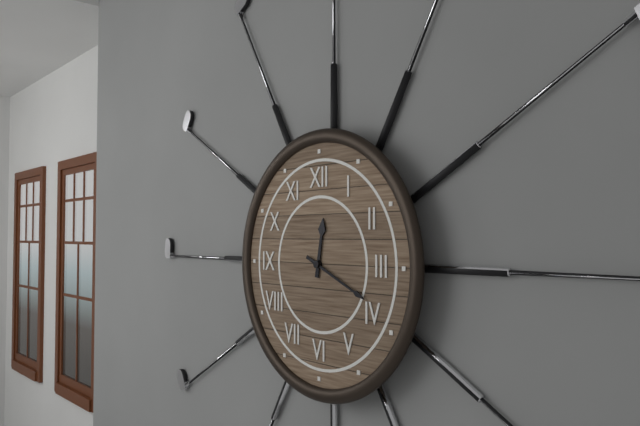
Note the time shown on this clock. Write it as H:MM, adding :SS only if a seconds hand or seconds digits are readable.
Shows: 12:19
